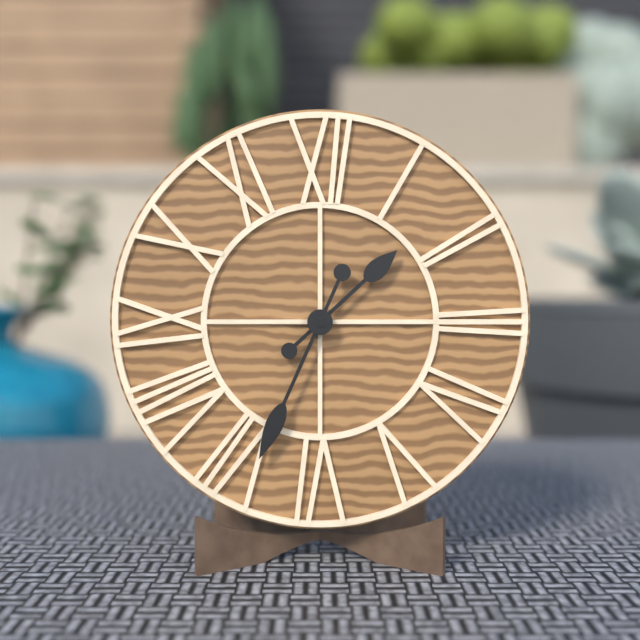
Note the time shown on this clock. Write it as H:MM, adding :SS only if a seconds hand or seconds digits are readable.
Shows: 1:34
